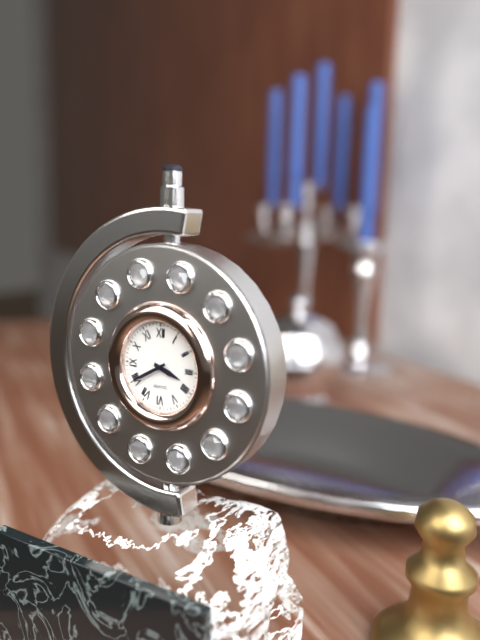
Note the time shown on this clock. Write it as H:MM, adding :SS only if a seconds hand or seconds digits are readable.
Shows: 3:40
